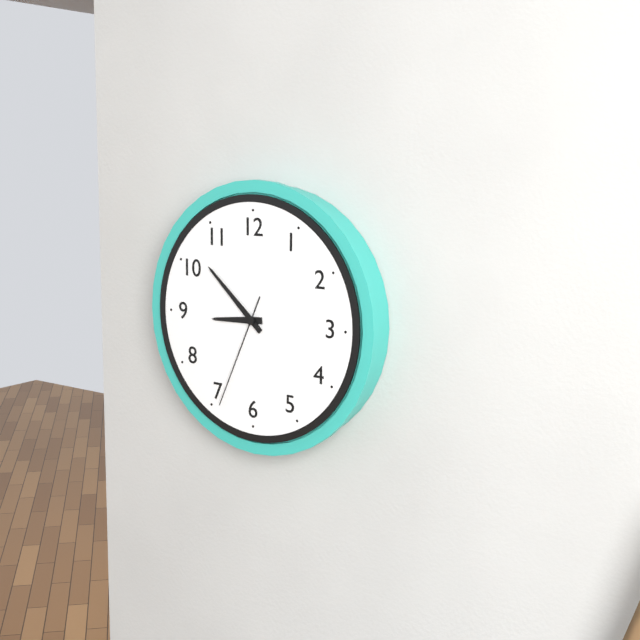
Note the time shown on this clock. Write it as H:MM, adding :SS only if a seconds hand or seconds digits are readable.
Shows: 8:52:34
